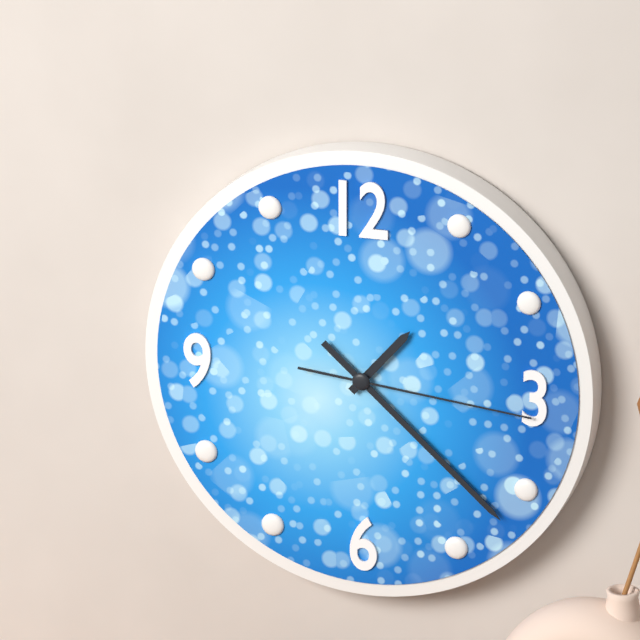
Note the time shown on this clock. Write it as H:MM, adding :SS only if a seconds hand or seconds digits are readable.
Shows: 1:22:16
